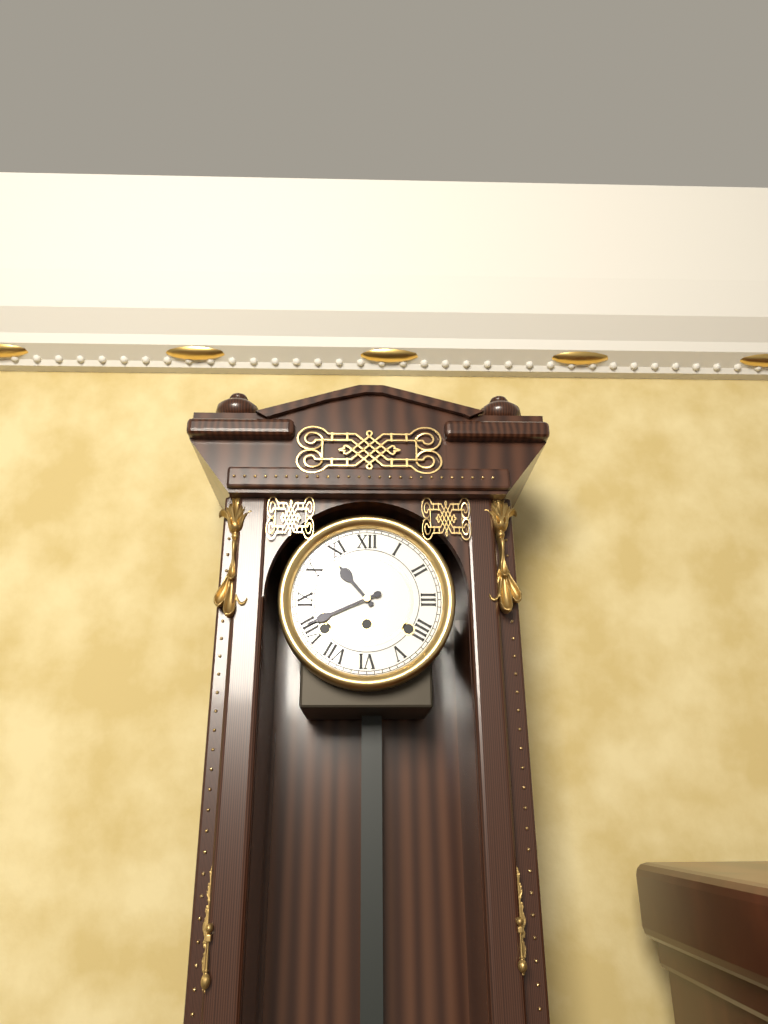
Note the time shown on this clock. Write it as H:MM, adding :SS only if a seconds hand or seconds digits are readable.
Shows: 10:41
